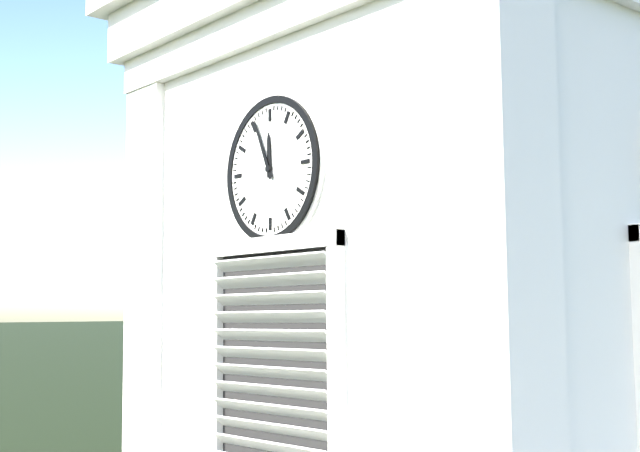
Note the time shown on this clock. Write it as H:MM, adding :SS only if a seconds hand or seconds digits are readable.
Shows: 11:56
